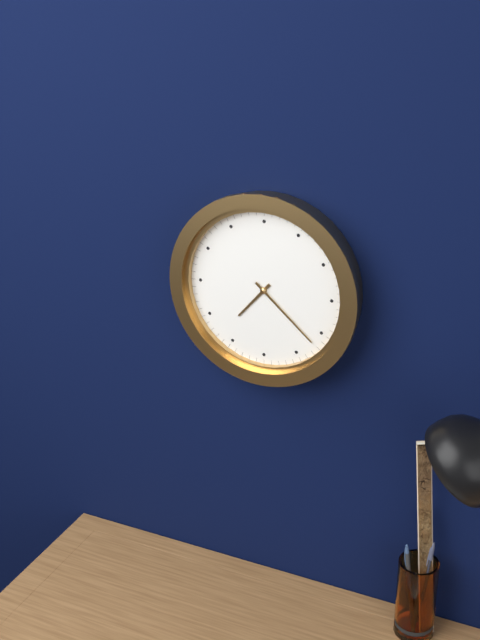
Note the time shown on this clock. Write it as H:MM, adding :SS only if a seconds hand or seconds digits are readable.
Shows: 7:22
